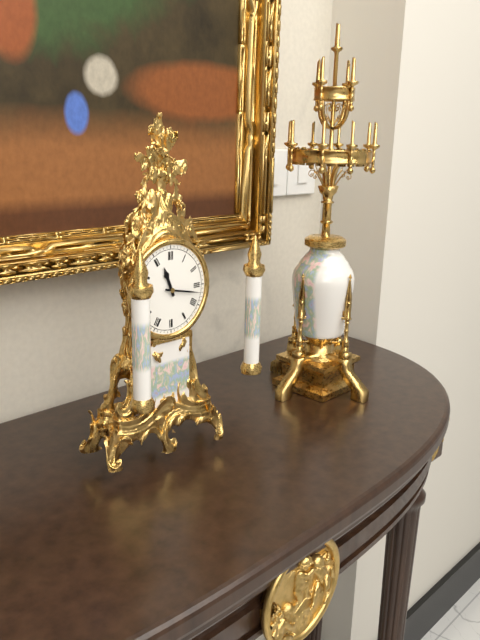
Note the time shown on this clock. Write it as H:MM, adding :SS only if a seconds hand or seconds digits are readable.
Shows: 11:17
